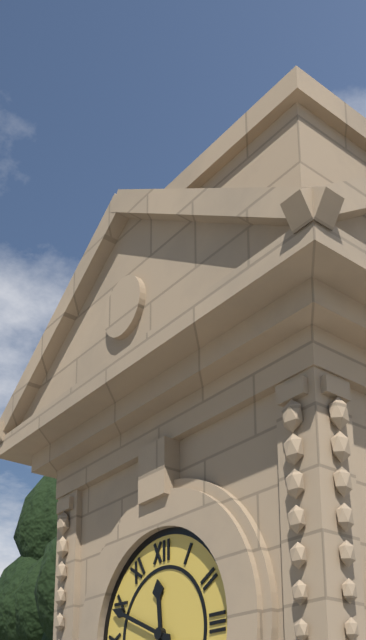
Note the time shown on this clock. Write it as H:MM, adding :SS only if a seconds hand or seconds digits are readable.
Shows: 11:49
